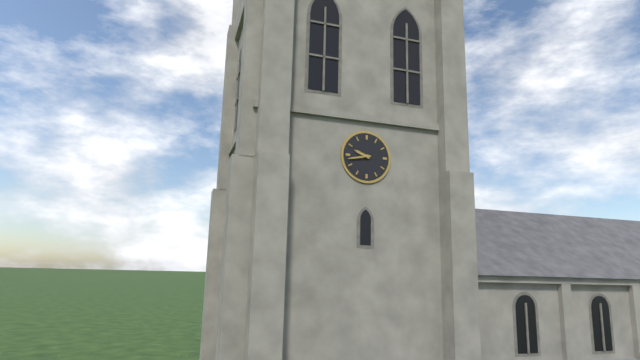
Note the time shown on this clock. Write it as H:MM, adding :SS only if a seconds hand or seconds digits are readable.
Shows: 9:43
